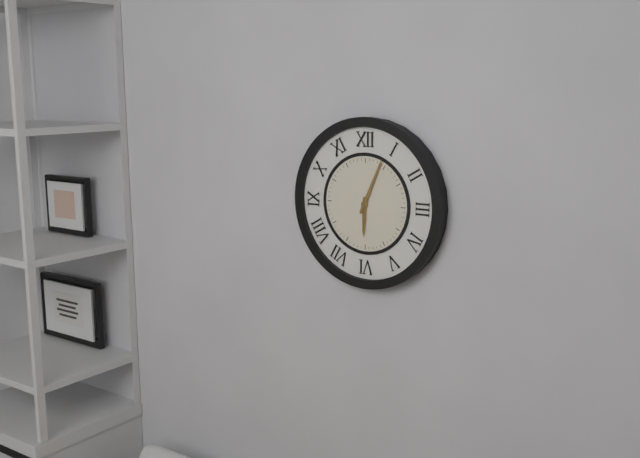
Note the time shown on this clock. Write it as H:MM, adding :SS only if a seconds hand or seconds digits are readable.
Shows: 6:04
